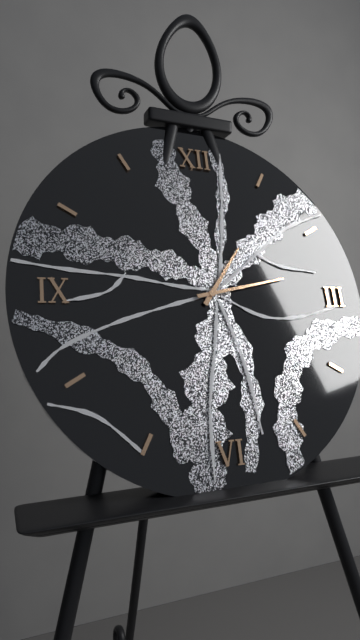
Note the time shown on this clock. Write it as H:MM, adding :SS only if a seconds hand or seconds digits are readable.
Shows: 1:13
